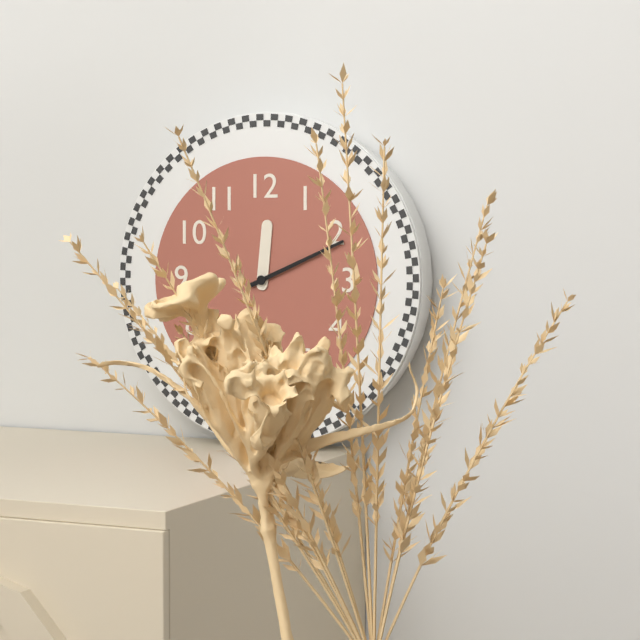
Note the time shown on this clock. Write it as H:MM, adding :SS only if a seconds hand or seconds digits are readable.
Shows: 12:11
